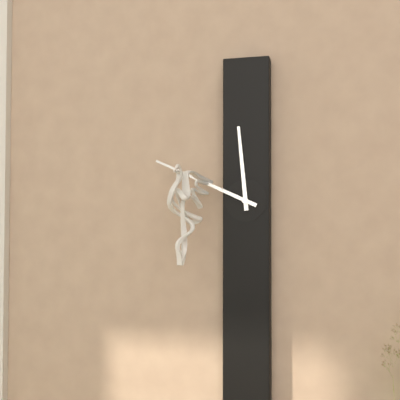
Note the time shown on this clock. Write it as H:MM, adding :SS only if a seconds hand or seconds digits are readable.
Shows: 11:49
